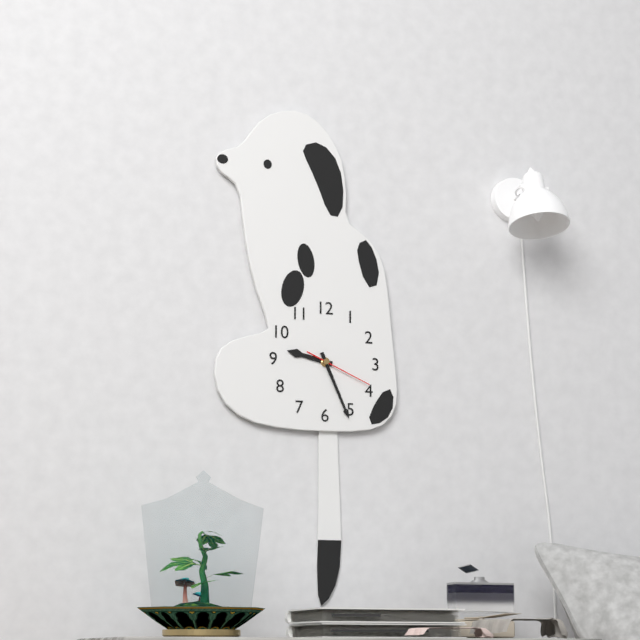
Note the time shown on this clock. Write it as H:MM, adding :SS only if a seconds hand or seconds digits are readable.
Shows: 9:26:19
